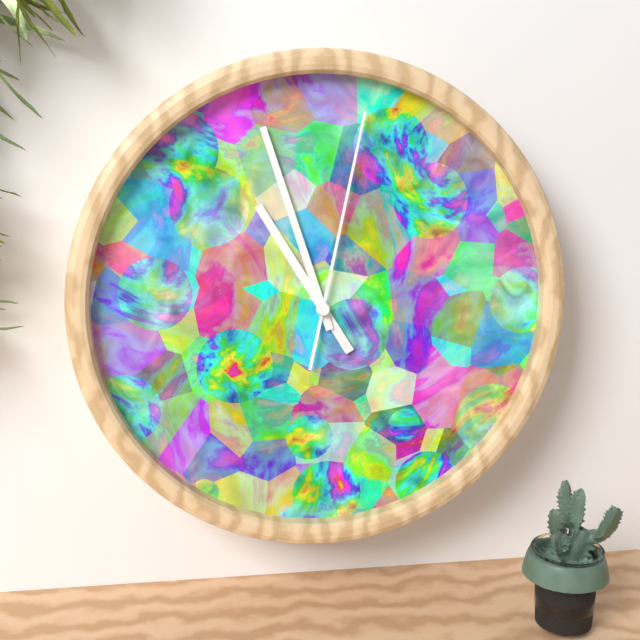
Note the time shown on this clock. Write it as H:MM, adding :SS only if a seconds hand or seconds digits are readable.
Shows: 10:57:02
